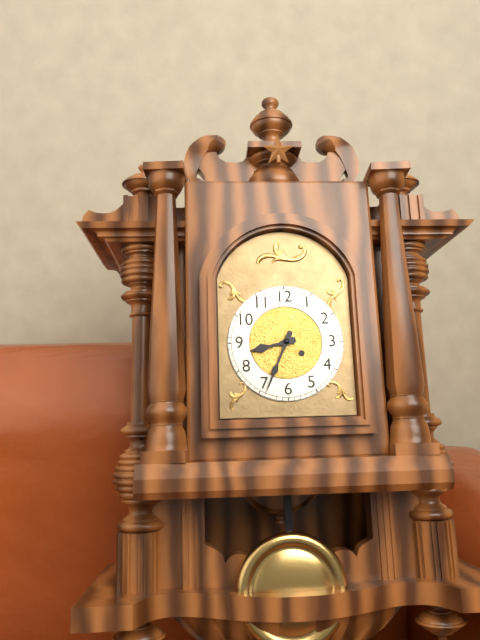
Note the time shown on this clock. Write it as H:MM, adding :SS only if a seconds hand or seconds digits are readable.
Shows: 8:34
